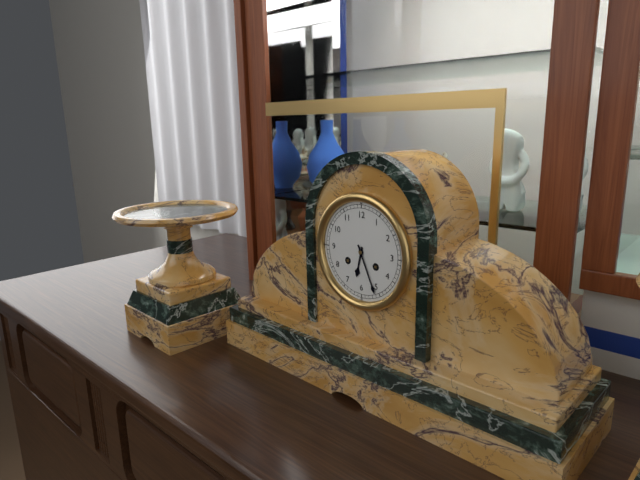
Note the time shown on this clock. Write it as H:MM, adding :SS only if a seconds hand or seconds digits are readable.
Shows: 6:26
